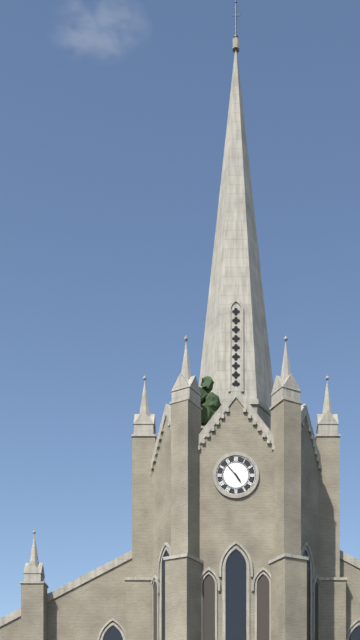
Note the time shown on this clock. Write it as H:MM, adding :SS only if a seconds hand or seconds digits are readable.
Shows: 4:53
